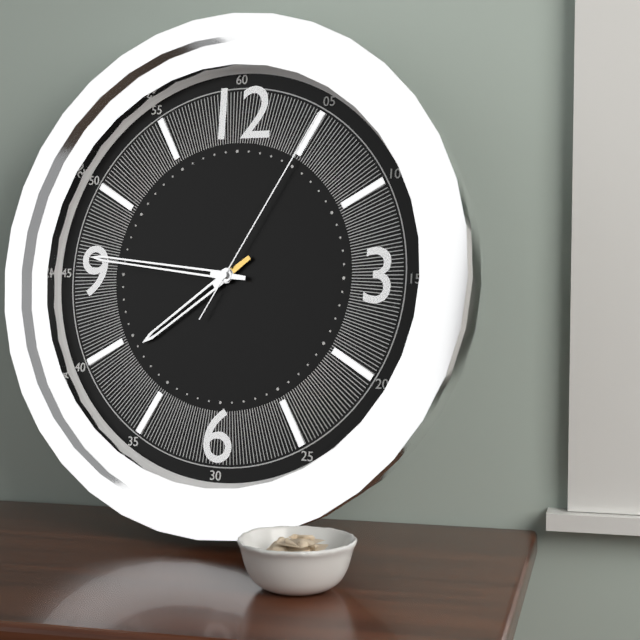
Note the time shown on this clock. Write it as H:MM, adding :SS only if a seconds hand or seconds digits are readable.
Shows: 7:46:05
